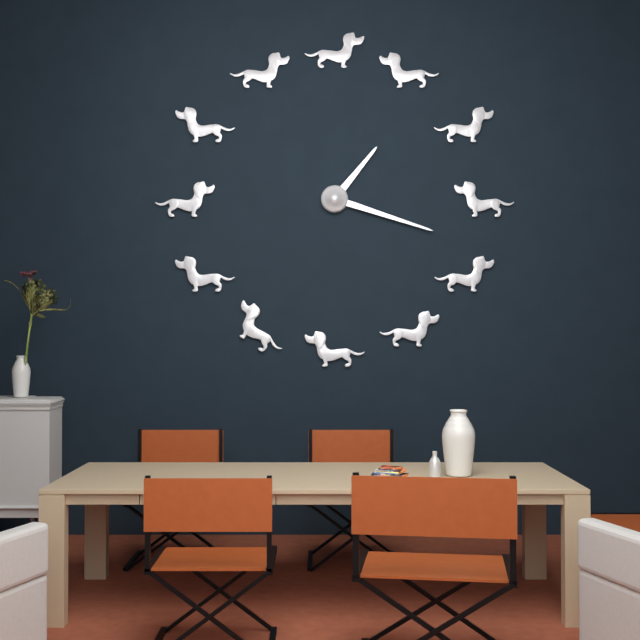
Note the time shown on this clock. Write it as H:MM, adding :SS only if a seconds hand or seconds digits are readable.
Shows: 1:18
